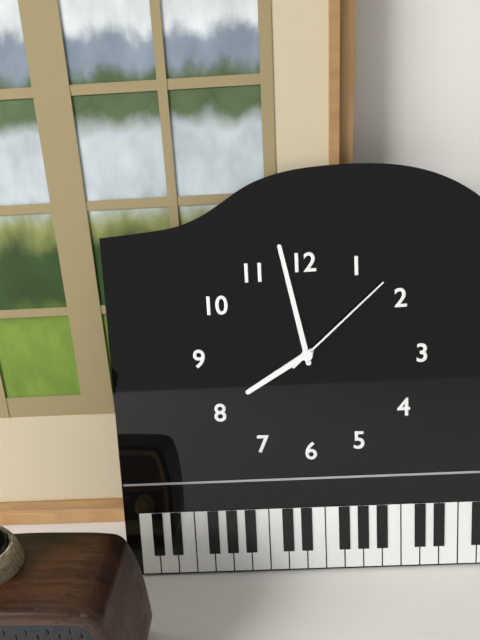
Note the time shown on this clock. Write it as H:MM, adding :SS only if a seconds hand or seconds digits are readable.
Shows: 7:58:08
